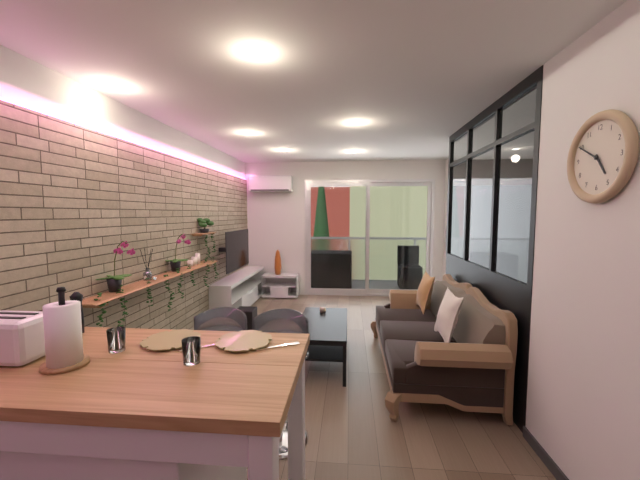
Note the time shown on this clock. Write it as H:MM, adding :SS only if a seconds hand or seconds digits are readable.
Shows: 4:50
